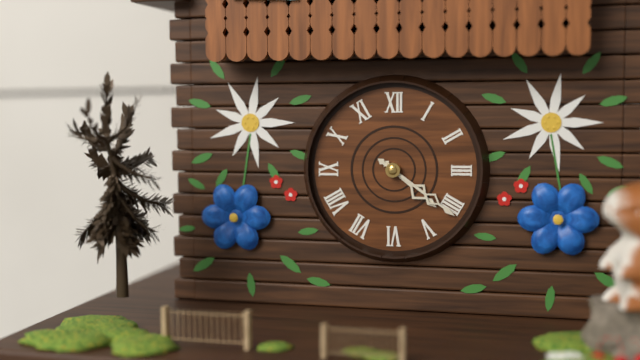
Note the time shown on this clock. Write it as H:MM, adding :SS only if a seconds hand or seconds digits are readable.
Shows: 4:21
